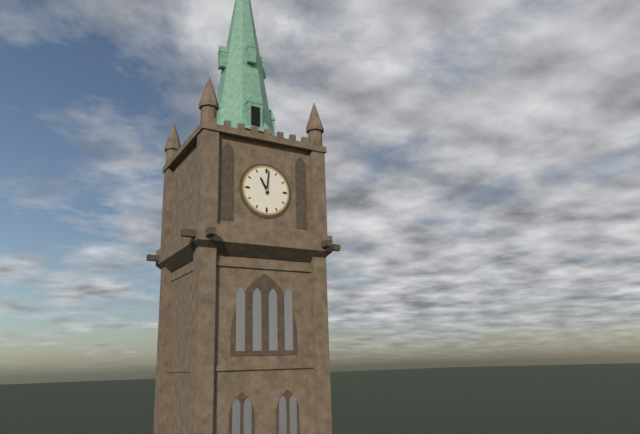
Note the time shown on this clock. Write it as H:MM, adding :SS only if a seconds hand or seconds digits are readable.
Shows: 11:01
